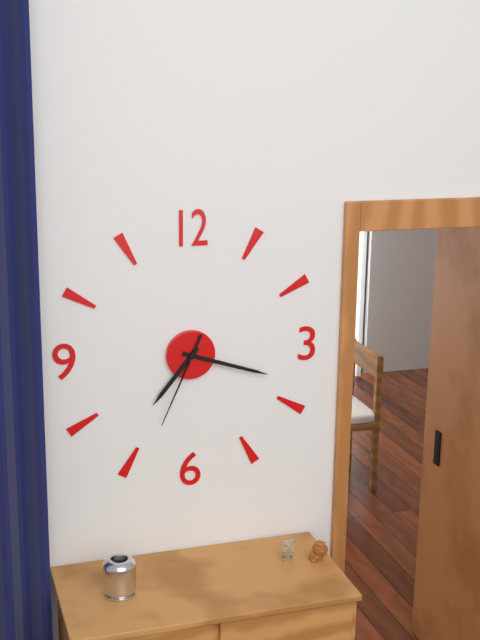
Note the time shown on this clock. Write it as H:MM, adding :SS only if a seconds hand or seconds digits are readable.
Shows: 7:18:34
